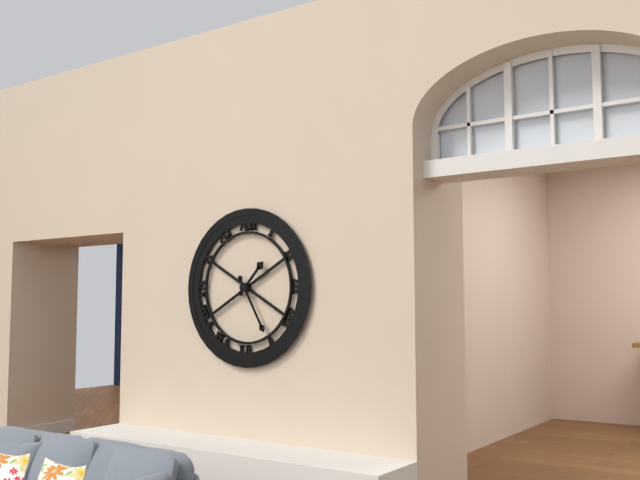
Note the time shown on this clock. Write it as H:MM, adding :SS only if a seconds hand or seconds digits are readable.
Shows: 1:25
